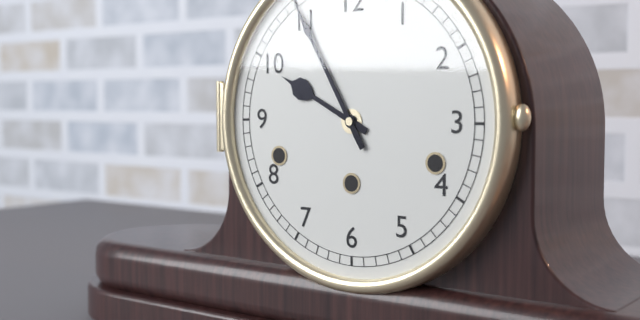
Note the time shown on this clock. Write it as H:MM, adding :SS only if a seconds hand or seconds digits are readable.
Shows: 9:55
